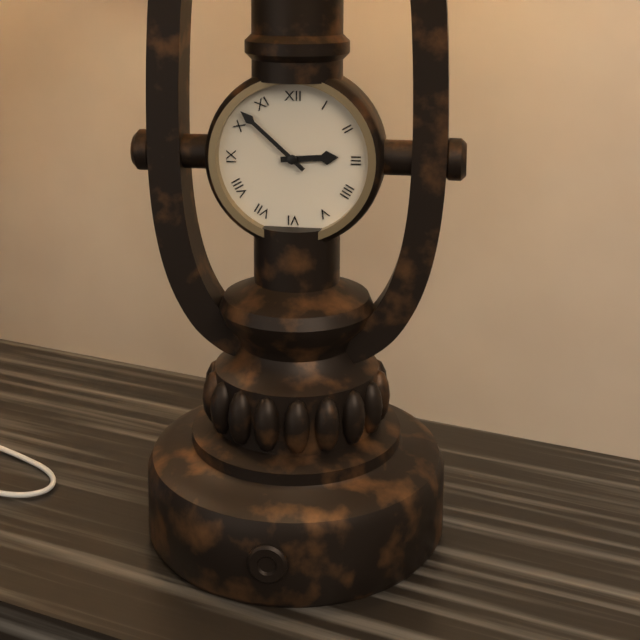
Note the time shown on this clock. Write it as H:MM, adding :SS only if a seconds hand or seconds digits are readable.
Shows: 2:52
